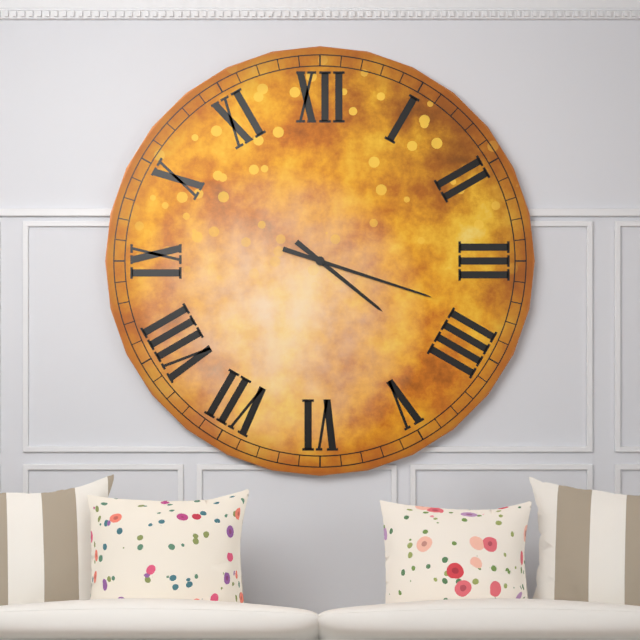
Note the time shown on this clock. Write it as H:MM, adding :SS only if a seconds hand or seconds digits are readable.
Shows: 4:18
